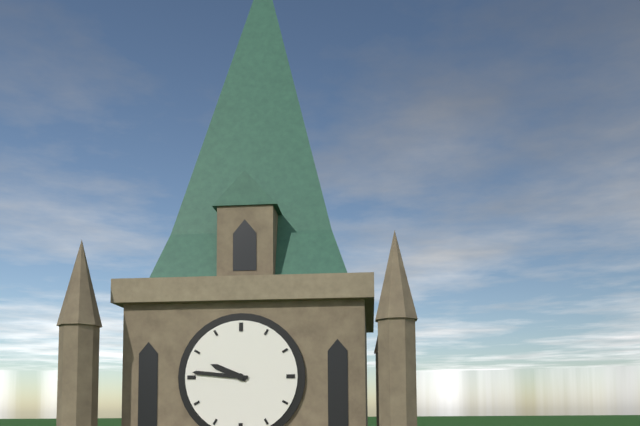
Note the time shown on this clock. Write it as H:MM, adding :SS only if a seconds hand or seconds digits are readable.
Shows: 9:46
